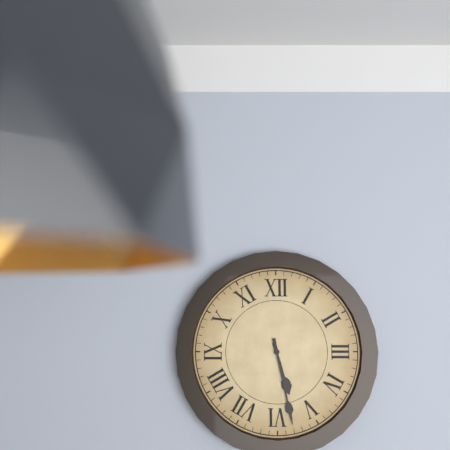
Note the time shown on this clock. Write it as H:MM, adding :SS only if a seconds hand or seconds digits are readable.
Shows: 5:28
